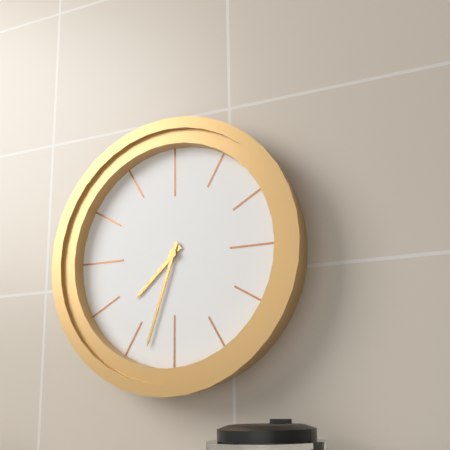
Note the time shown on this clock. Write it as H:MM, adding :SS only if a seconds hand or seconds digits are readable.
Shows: 7:33
